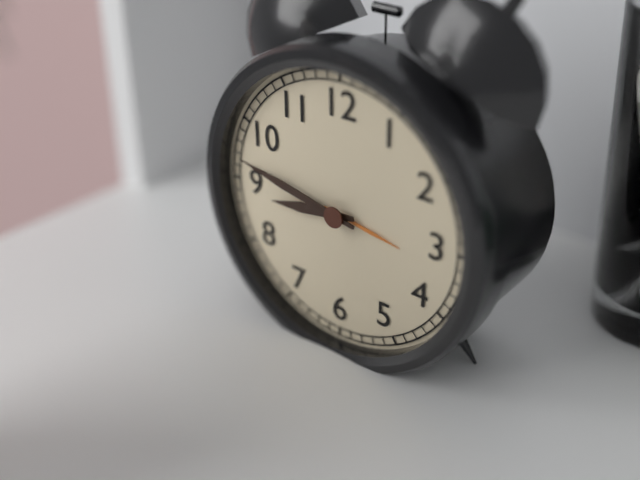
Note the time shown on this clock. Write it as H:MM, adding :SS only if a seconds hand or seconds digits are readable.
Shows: 8:47
